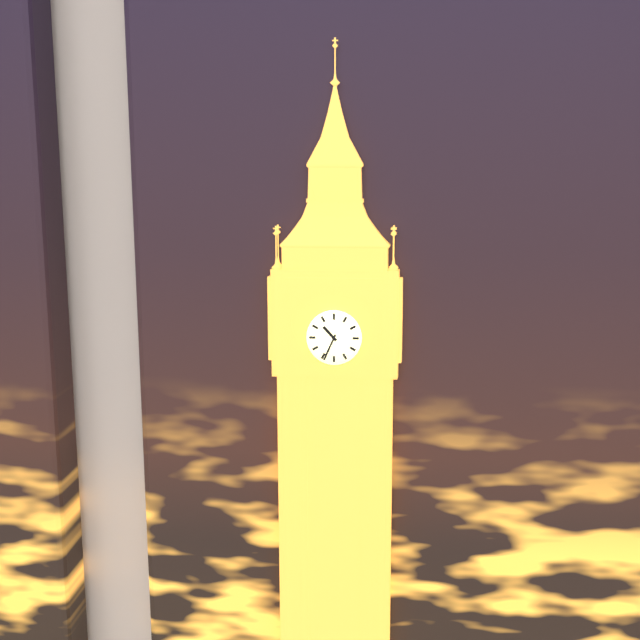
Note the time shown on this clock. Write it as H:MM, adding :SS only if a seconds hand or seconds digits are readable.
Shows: 10:34
